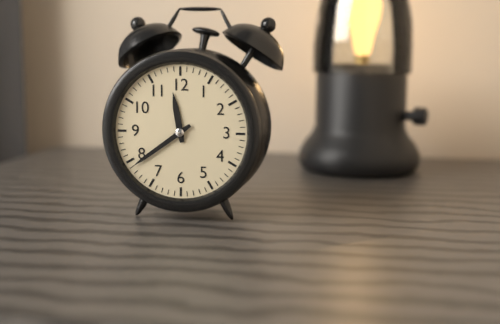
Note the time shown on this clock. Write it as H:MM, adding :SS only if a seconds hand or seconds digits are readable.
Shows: 11:39
